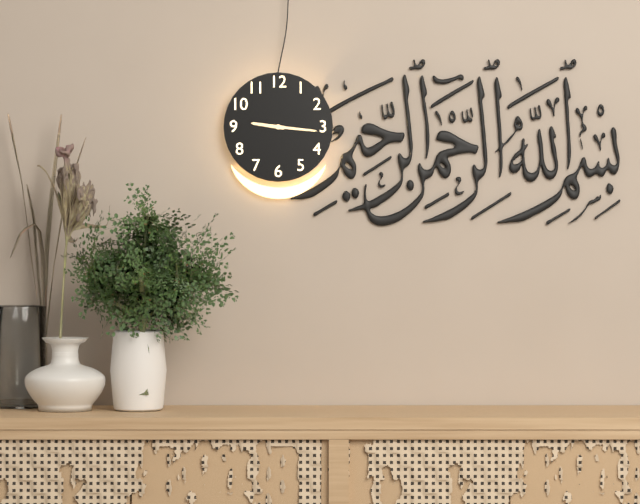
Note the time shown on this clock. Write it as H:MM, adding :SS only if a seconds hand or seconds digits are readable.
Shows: 9:16
